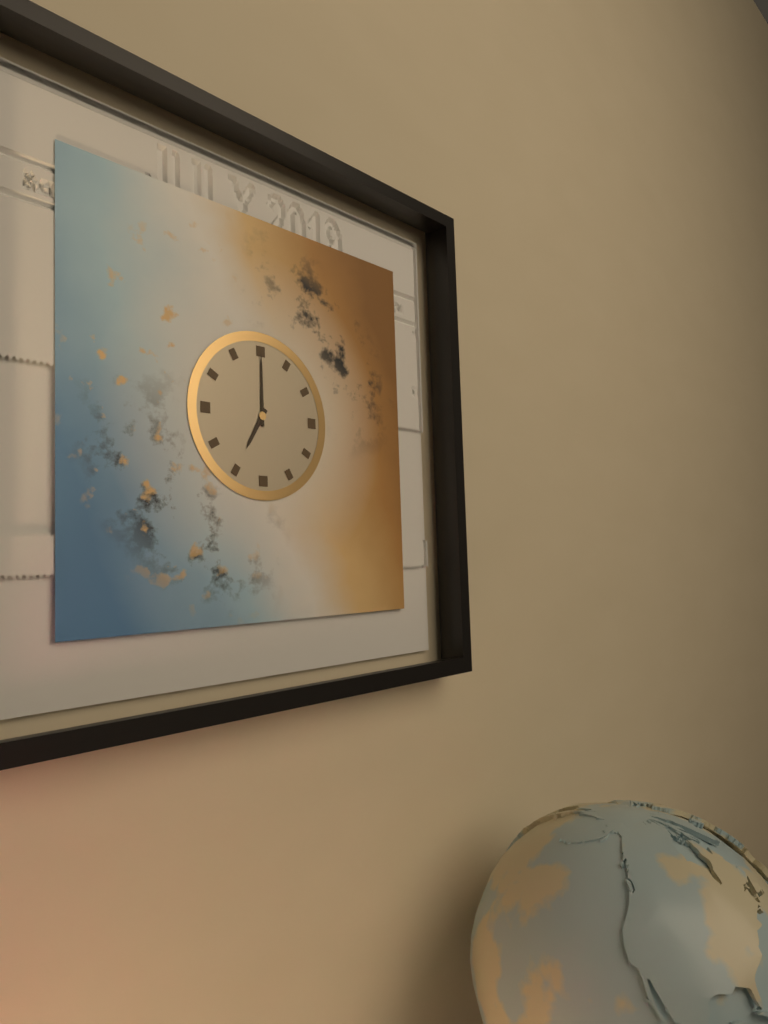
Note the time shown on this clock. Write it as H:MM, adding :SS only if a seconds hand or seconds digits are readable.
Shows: 7:00
